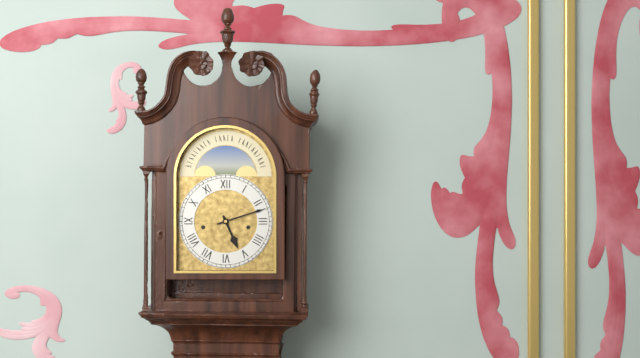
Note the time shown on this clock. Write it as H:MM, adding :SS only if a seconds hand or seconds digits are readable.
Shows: 5:12
